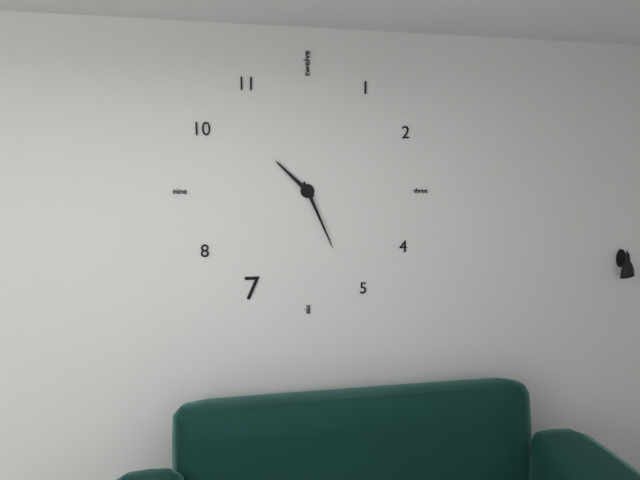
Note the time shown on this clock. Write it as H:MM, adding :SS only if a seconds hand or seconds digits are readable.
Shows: 10:26
